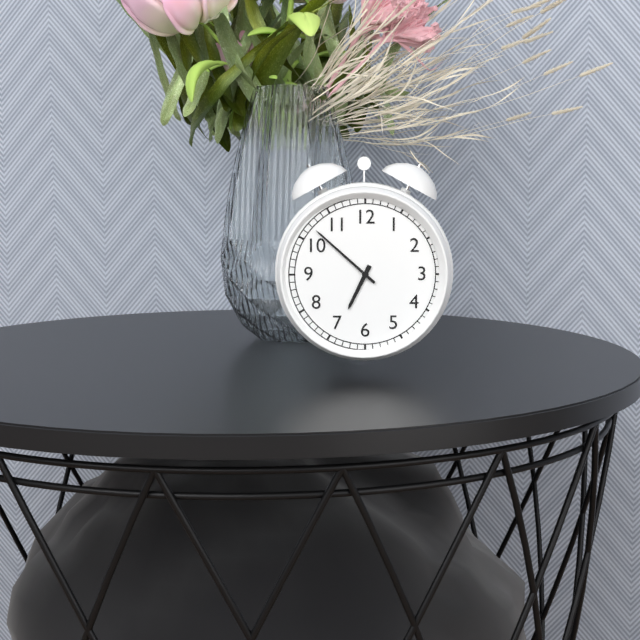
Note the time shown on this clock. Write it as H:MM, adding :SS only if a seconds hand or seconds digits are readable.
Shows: 6:52
